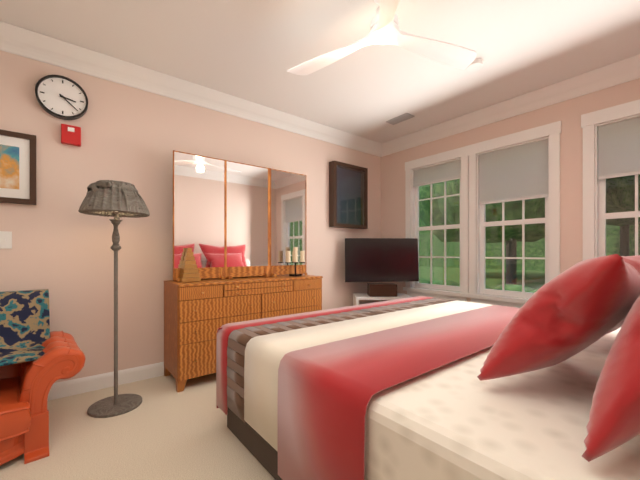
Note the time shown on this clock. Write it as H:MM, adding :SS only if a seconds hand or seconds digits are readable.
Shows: 3:22
